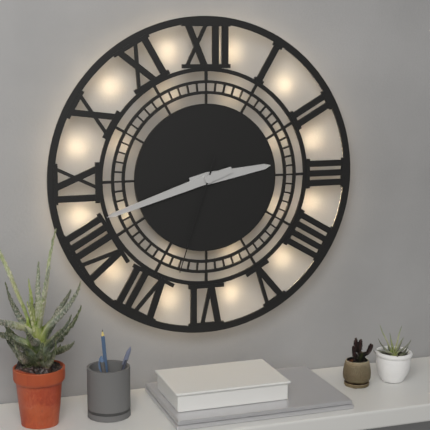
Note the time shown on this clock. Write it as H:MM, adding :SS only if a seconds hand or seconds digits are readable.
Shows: 2:42:33
